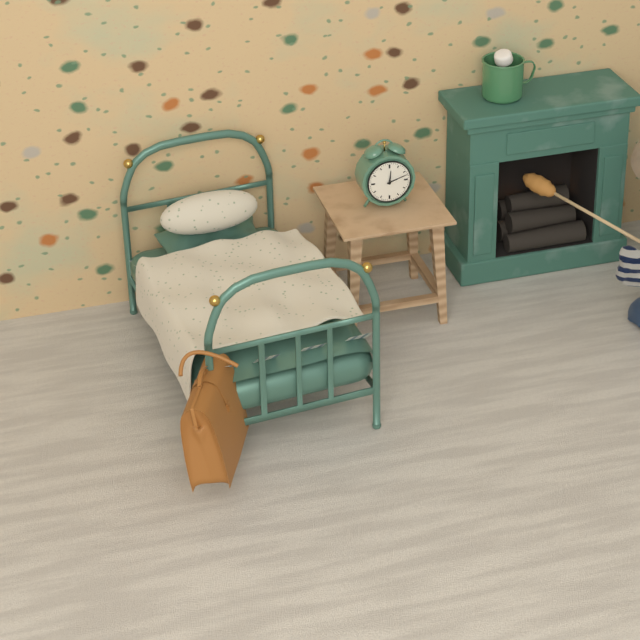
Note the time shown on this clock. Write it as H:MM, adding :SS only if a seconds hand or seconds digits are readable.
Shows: 12:12
